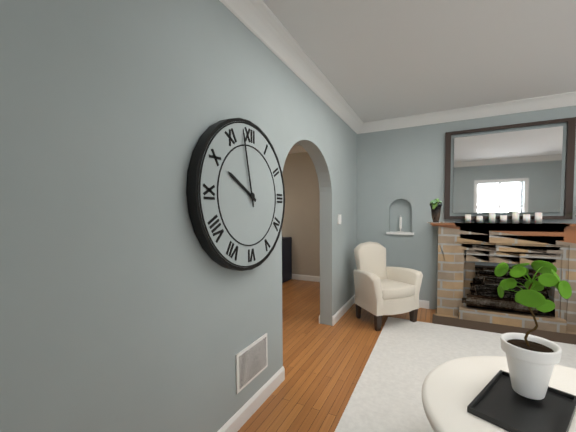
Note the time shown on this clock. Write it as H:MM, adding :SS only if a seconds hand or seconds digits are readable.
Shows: 9:58
